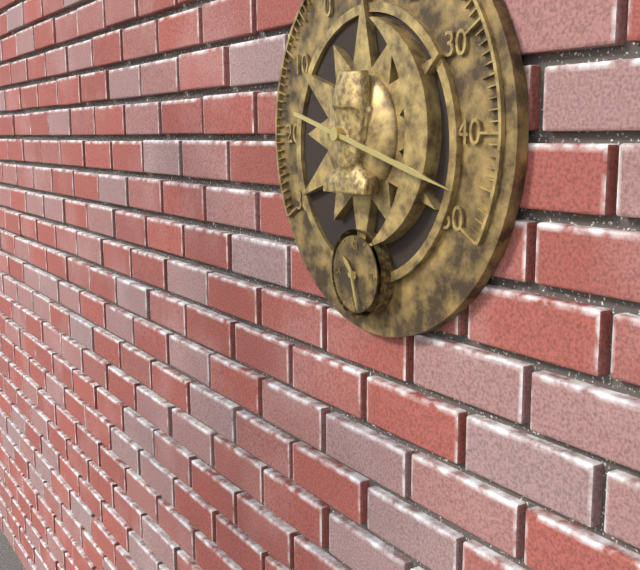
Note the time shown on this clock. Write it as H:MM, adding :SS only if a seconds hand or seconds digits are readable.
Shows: 10:27
